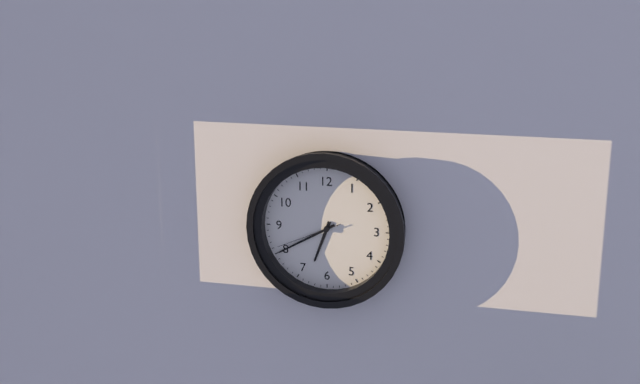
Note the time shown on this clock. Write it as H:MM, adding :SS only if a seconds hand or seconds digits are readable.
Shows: 6:40:41
